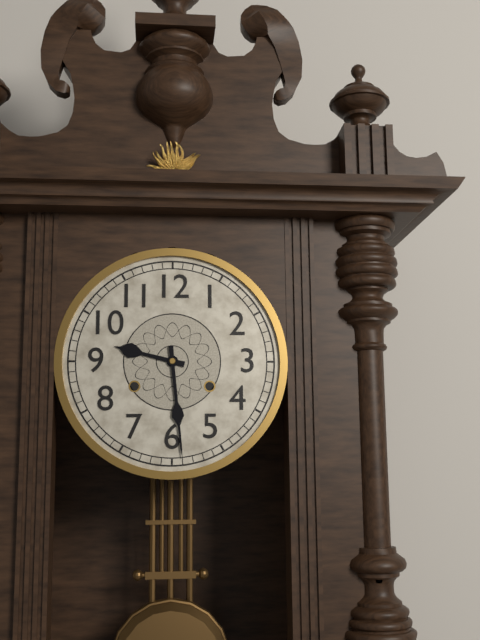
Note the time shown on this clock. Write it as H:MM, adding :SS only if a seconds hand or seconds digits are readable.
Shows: 9:29
